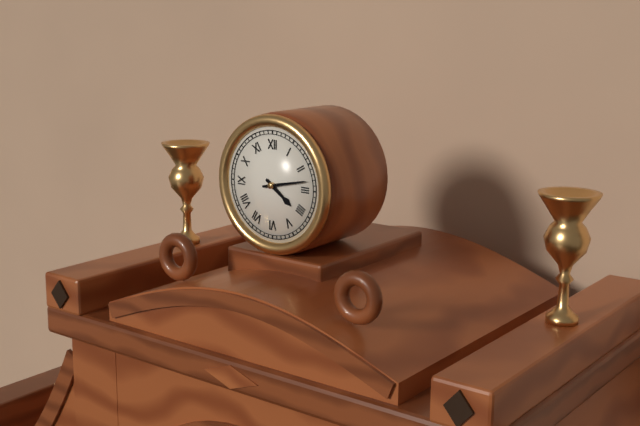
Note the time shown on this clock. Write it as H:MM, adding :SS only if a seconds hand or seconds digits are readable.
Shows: 4:13
